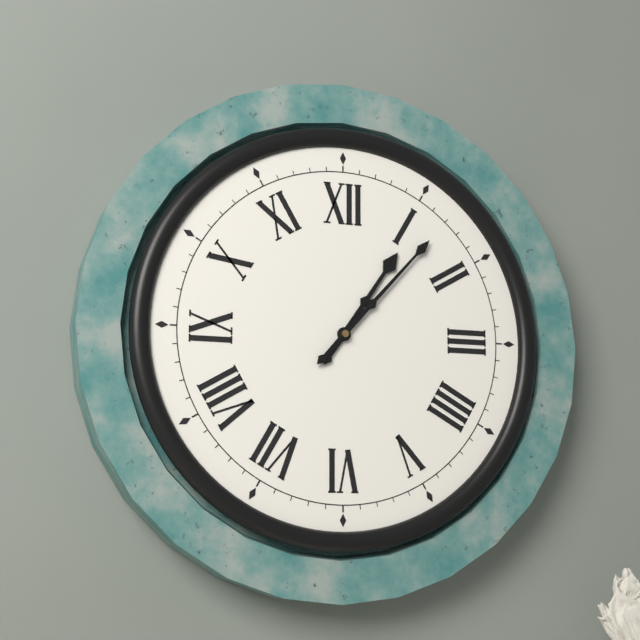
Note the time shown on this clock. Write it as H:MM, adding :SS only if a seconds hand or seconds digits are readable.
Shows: 1:07
